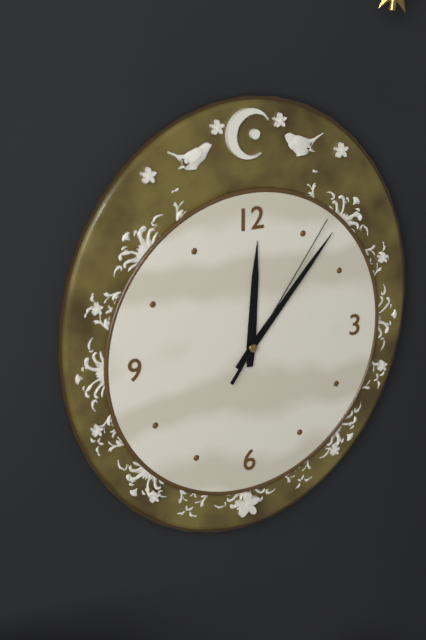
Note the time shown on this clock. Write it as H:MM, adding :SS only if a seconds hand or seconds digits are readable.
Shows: 12:07:06
